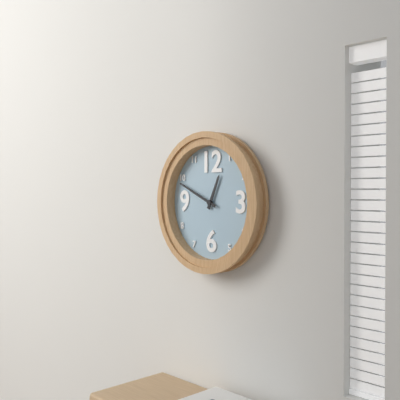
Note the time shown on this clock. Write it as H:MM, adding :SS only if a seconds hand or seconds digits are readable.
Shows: 12:49
